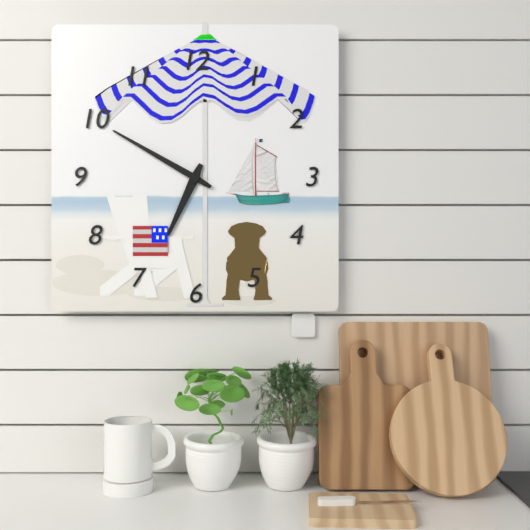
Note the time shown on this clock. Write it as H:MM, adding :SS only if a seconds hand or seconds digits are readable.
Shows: 6:50
